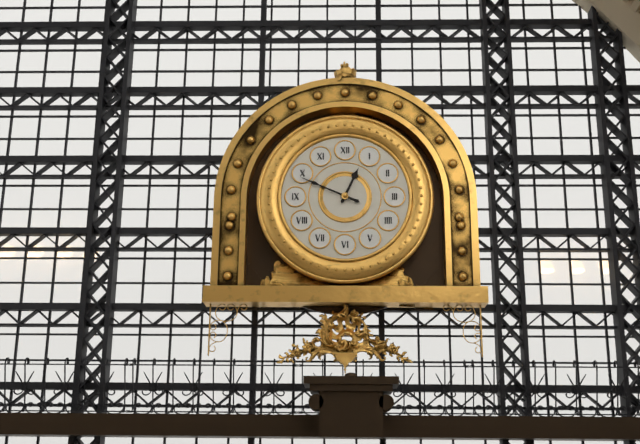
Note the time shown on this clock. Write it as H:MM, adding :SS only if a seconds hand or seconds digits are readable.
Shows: 12:49
